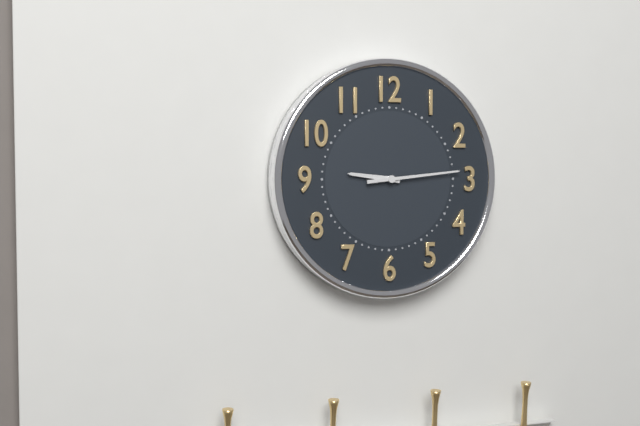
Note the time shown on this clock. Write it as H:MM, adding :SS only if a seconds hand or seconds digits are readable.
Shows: 9:14
